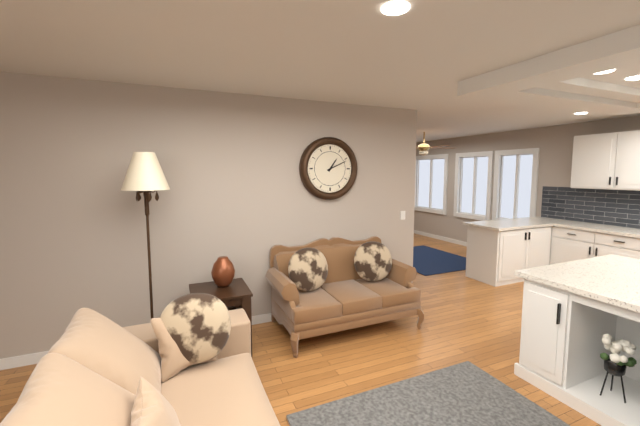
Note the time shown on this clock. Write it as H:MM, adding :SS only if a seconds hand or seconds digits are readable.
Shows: 1:11
